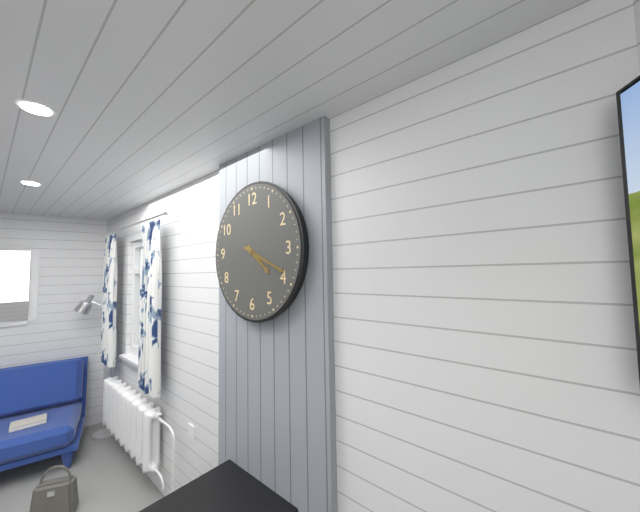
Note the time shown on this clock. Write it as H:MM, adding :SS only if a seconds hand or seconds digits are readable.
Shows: 4:19
